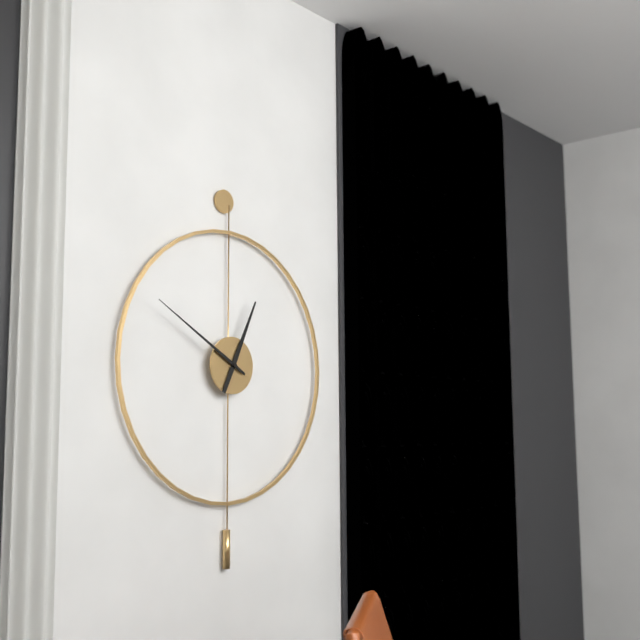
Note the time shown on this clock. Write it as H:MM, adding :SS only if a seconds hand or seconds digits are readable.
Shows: 12:50
